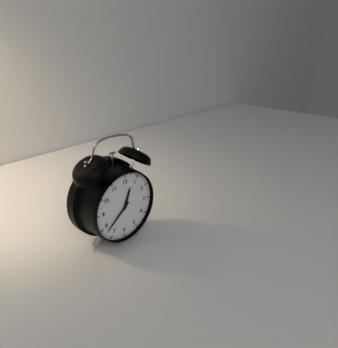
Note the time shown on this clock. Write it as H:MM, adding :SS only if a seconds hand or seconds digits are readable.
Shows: 12:38
